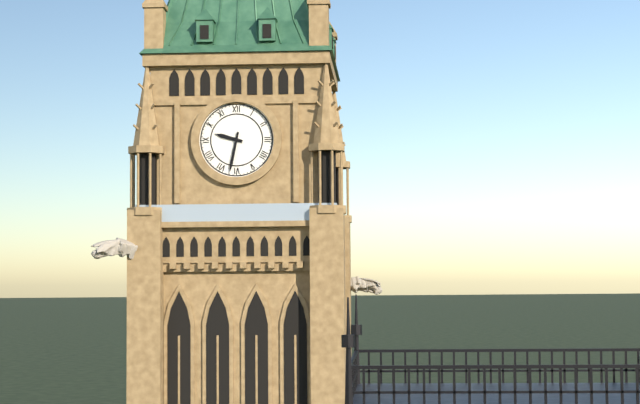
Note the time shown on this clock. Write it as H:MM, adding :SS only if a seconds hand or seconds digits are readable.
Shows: 9:32
